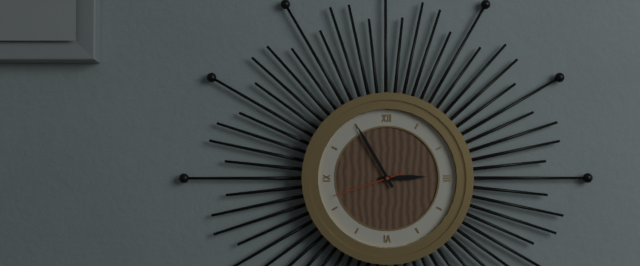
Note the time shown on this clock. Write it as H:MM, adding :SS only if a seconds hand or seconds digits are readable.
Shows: 2:55:42
